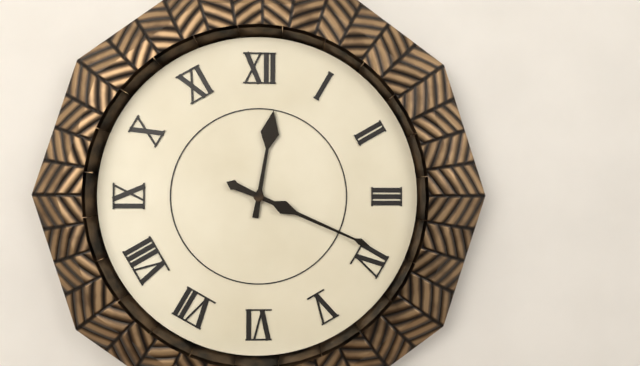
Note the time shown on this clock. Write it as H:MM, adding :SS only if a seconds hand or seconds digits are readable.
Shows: 12:19
